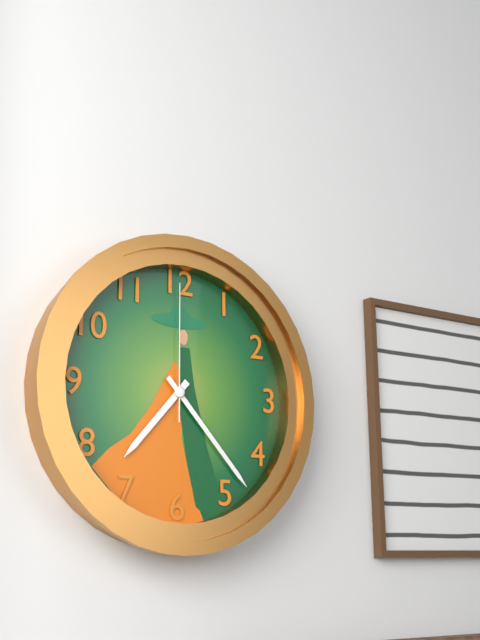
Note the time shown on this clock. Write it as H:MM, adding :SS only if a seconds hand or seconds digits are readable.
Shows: 7:23:00
